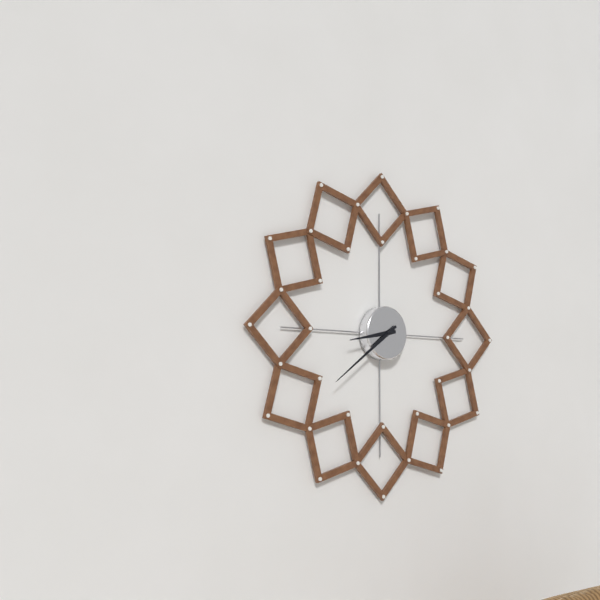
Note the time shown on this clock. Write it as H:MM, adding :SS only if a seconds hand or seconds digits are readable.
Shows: 8:39
